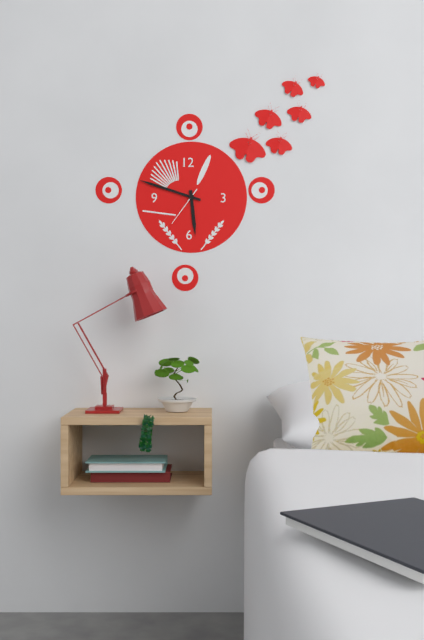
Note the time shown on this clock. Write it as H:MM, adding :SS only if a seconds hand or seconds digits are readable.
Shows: 5:48
